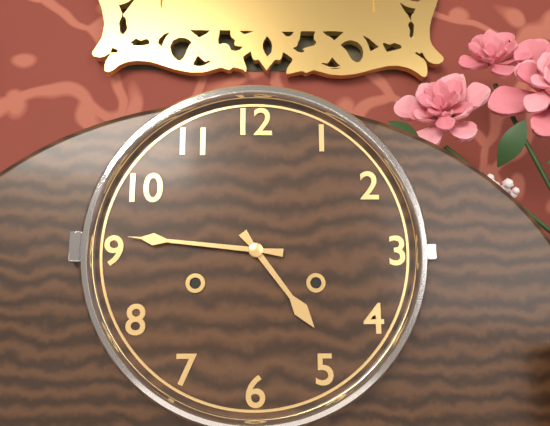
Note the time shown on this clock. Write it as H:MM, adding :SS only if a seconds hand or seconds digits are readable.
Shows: 4:46
